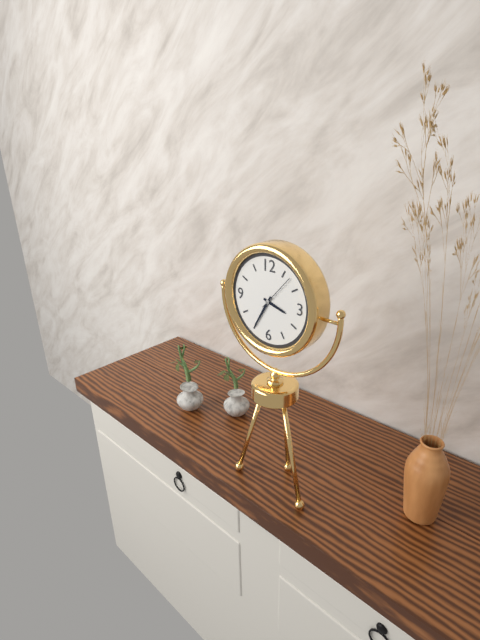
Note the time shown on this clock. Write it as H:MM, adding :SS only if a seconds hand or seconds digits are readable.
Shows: 3:35
